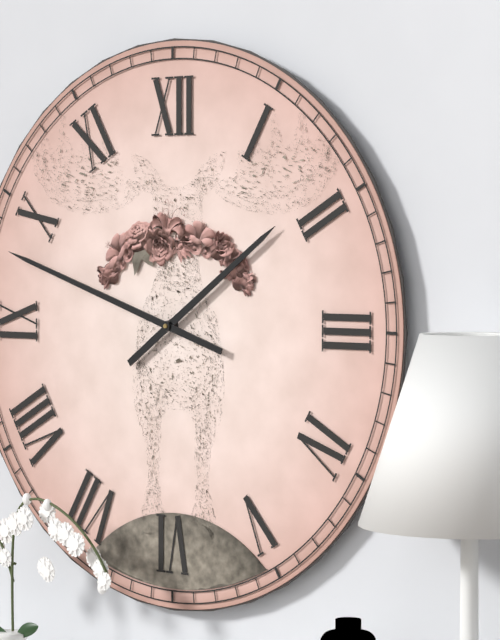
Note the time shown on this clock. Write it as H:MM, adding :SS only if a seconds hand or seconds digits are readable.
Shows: 1:48
